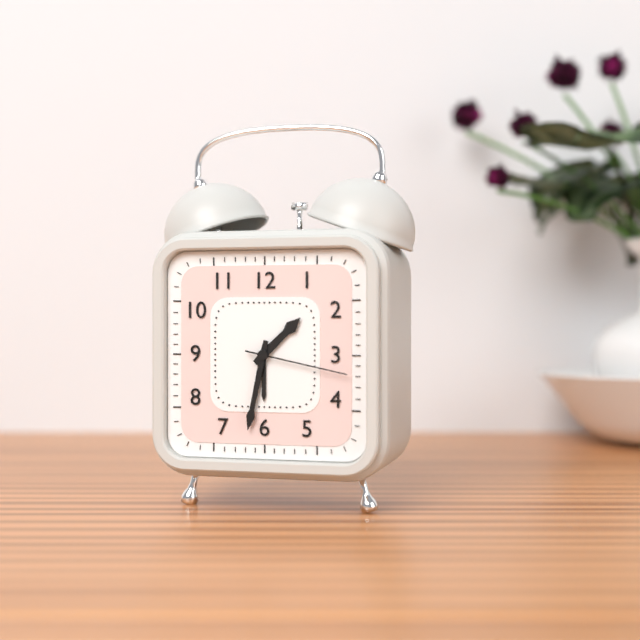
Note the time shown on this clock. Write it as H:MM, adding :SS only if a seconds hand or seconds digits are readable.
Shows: 1:32:17
